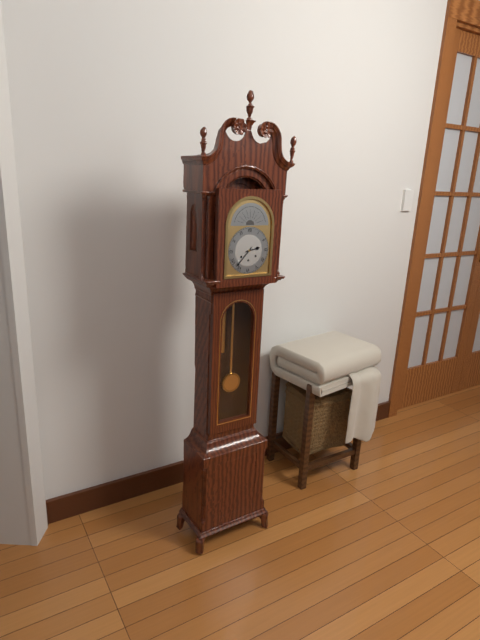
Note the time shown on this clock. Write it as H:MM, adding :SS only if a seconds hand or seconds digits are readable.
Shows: 2:37
